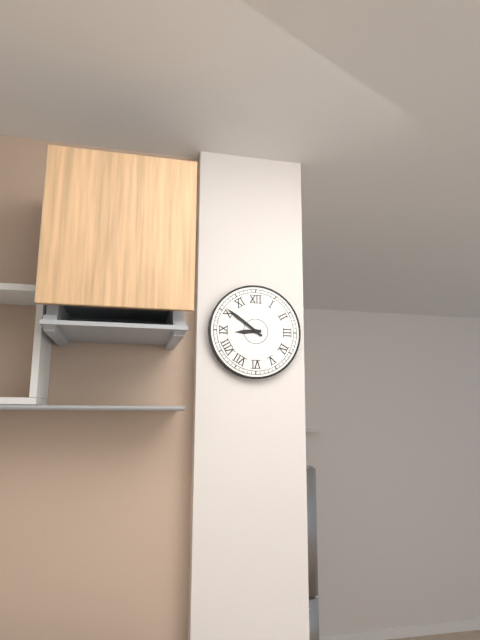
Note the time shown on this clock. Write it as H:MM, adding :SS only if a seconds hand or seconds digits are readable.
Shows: 8:51
